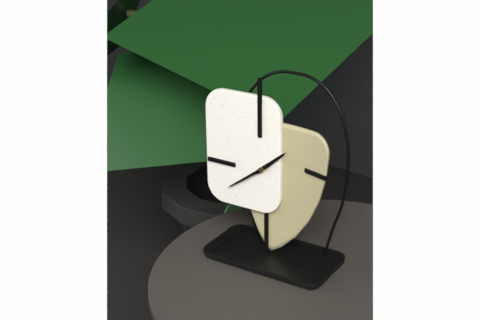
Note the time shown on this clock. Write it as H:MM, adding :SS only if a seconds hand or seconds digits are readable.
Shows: 1:39
